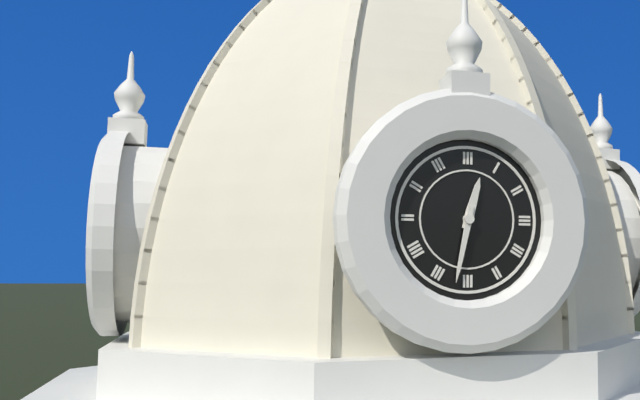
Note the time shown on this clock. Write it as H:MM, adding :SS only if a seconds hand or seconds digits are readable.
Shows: 12:32
